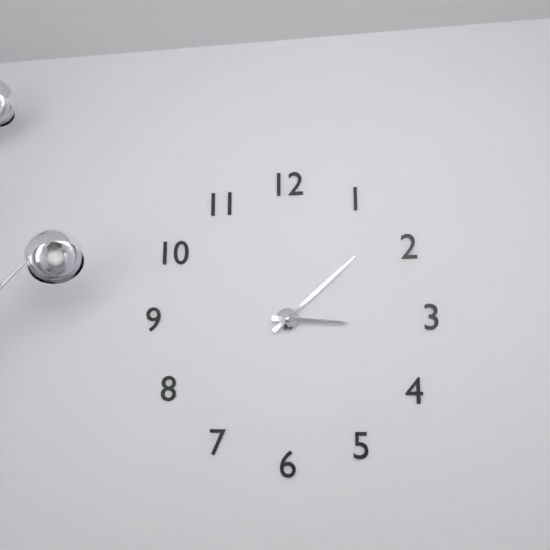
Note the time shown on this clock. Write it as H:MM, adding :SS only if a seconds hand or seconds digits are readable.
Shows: 3:08
